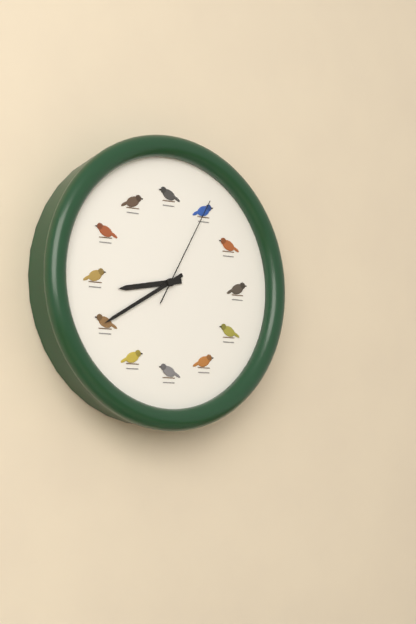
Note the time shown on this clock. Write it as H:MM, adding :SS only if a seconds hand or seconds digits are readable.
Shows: 8:40:05
